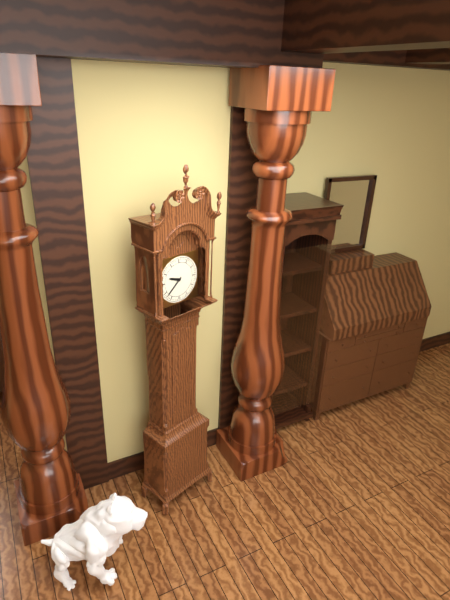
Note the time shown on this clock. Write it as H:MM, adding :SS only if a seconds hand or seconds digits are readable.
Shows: 9:38
